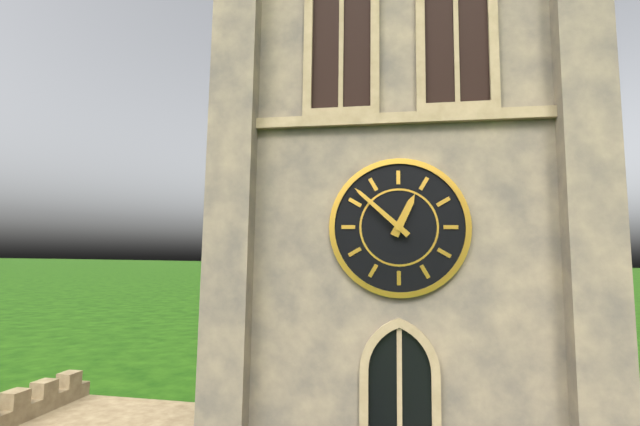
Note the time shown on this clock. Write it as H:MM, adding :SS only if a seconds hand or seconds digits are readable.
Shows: 12:52
